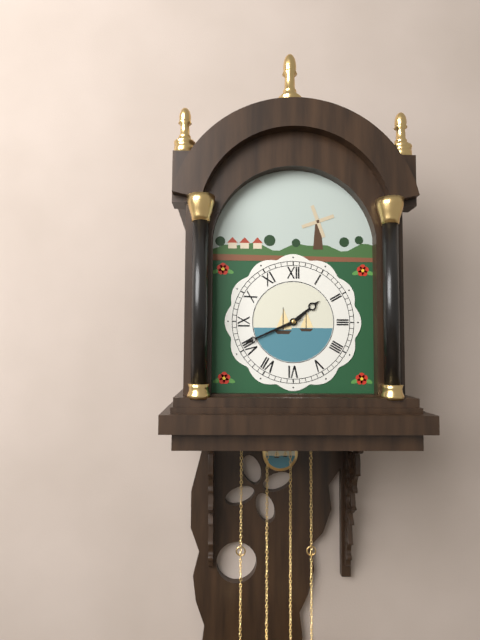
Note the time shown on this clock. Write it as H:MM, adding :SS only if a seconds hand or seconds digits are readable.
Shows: 1:41
